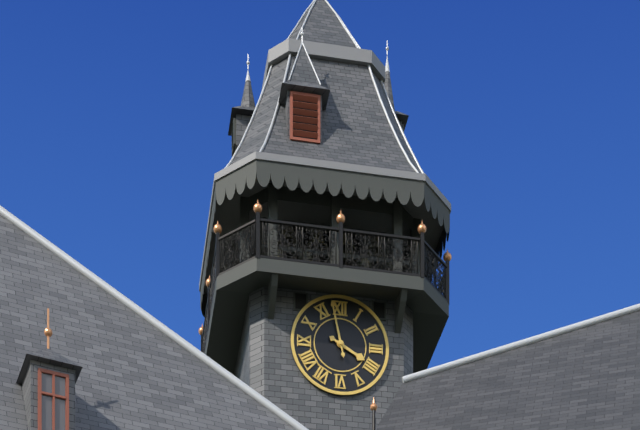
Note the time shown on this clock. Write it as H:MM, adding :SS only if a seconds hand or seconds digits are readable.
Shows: 3:58
